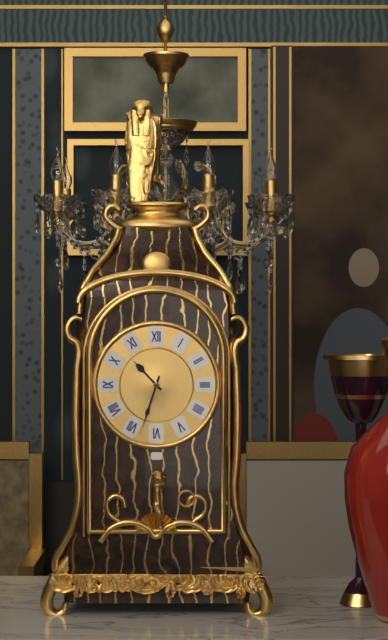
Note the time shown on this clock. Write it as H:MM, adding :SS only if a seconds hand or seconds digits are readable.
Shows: 10:33
